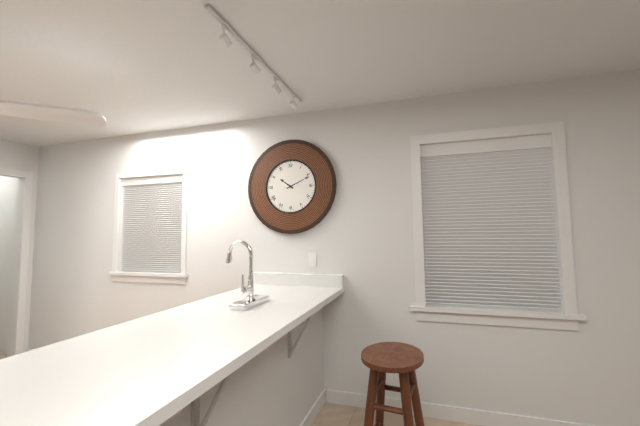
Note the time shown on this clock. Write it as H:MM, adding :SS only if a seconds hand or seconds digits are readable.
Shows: 10:11
